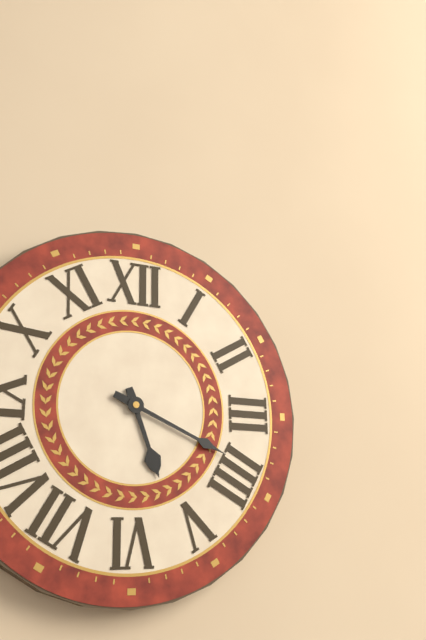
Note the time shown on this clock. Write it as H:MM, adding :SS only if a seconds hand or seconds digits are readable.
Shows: 5:19
